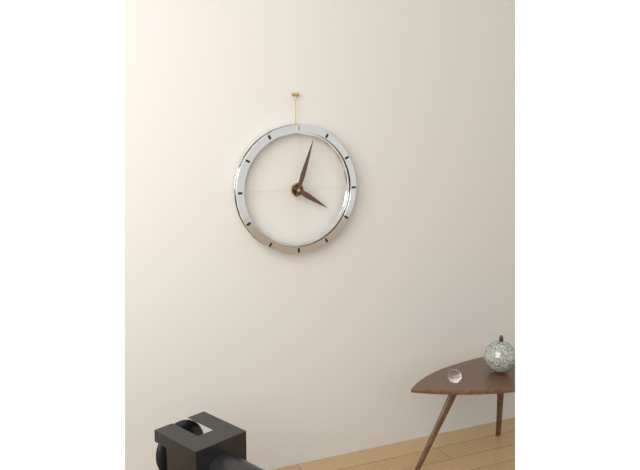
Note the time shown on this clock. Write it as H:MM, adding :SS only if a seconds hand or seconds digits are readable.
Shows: 4:03
